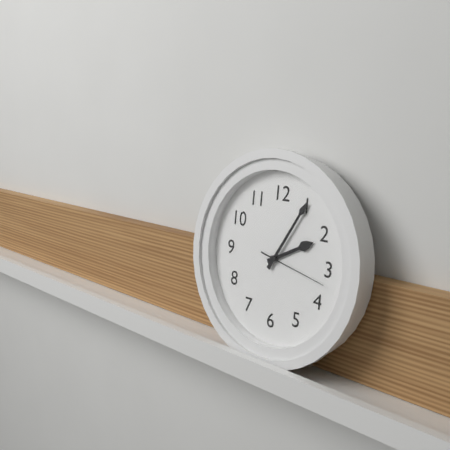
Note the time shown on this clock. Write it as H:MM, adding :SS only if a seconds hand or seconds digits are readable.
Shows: 2:05:17
